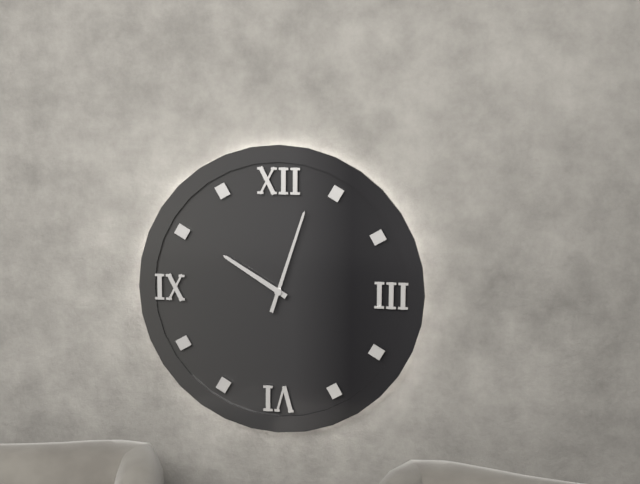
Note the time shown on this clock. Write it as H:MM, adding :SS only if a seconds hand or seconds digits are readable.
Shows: 10:03
